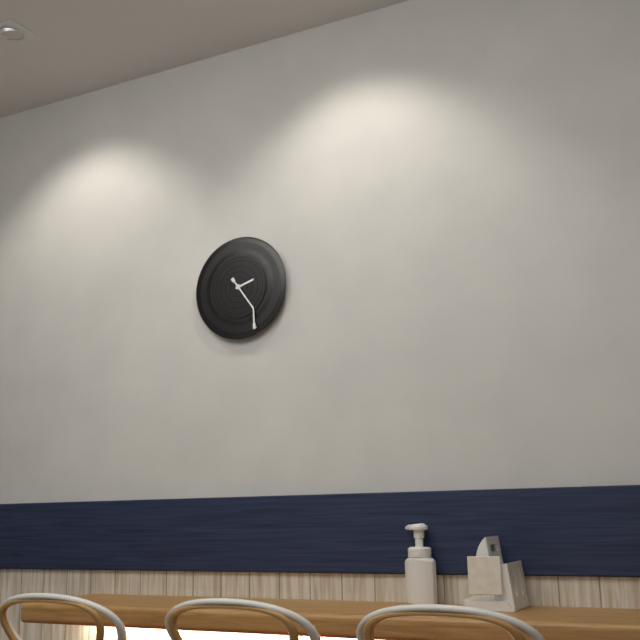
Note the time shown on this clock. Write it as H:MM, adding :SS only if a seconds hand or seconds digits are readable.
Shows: 2:24
